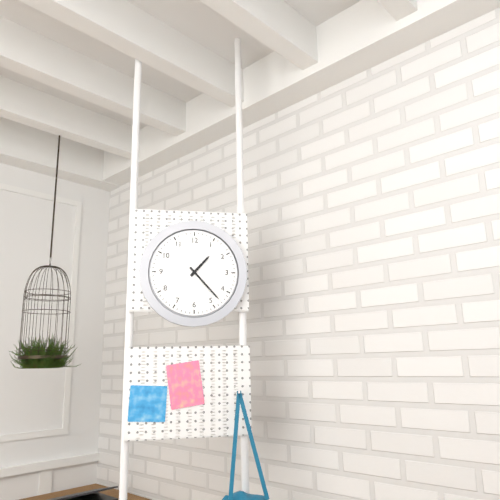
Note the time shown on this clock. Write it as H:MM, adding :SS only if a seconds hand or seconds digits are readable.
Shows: 1:23
